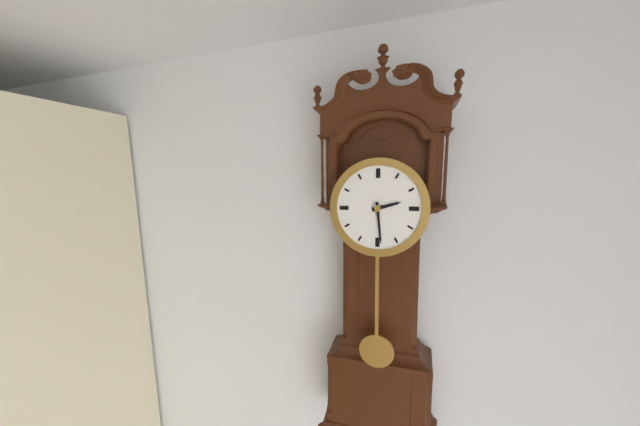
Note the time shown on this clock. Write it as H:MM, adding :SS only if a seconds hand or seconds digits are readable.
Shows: 2:29
